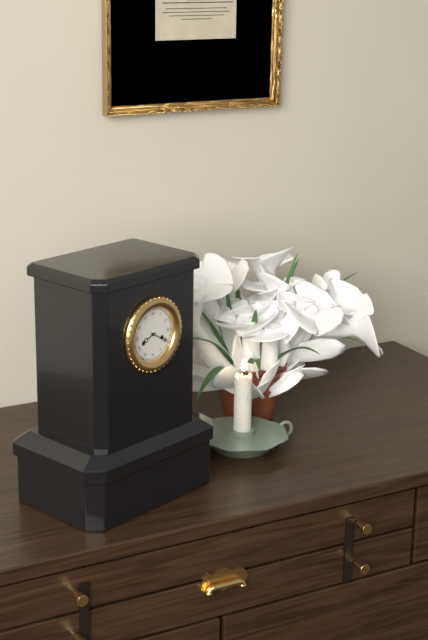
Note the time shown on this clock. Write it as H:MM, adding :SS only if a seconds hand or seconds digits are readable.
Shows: 8:20
